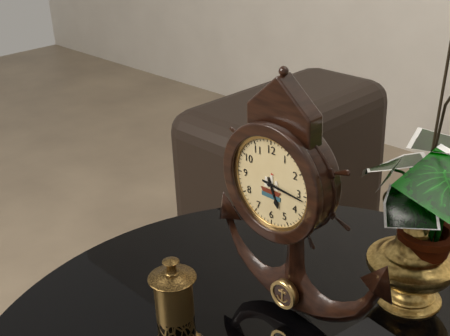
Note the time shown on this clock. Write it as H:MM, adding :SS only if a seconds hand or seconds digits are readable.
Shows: 5:16
